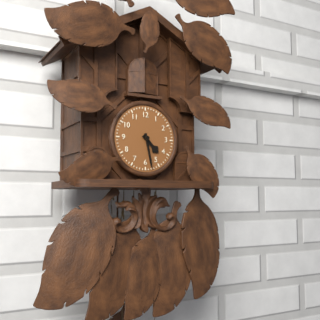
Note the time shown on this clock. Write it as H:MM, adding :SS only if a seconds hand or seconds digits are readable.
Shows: 4:28
